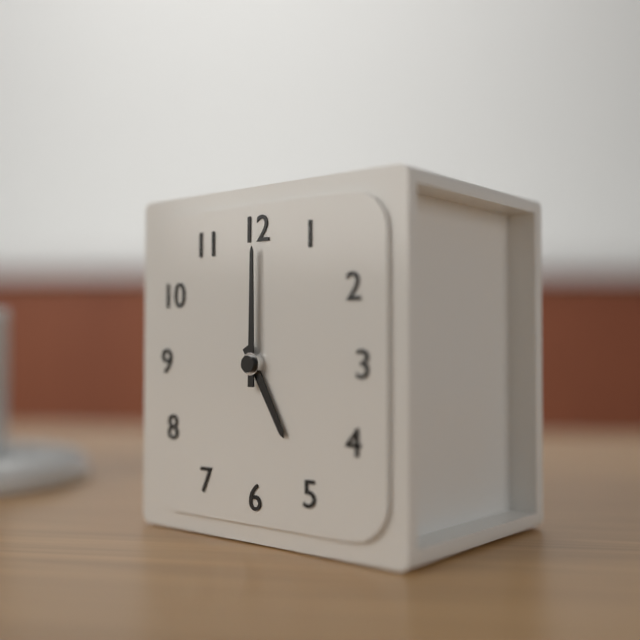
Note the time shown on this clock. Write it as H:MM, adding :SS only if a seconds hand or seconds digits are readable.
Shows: 5:00
